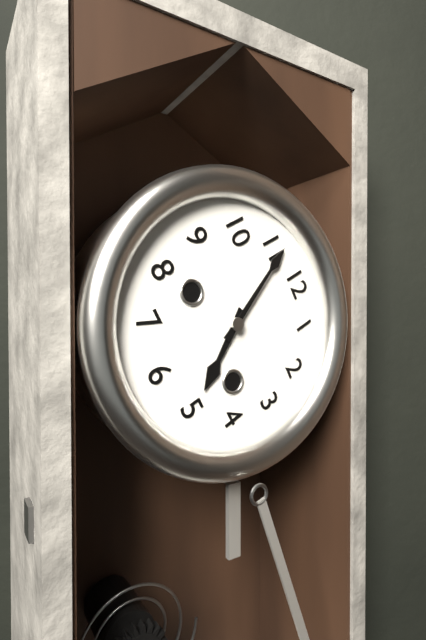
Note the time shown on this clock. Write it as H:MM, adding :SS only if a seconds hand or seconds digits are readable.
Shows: 4:56
